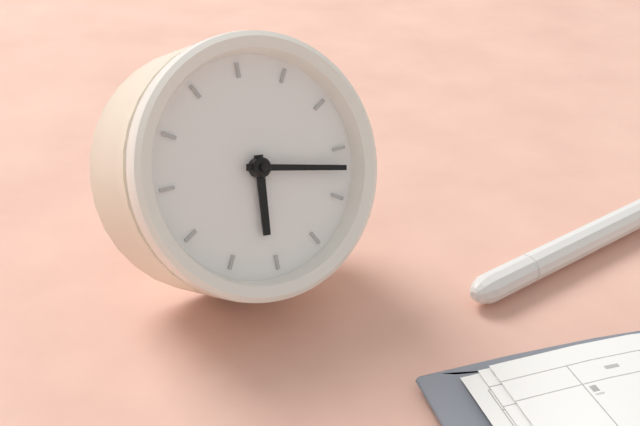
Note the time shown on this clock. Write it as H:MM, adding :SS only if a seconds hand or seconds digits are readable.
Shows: 5:12
